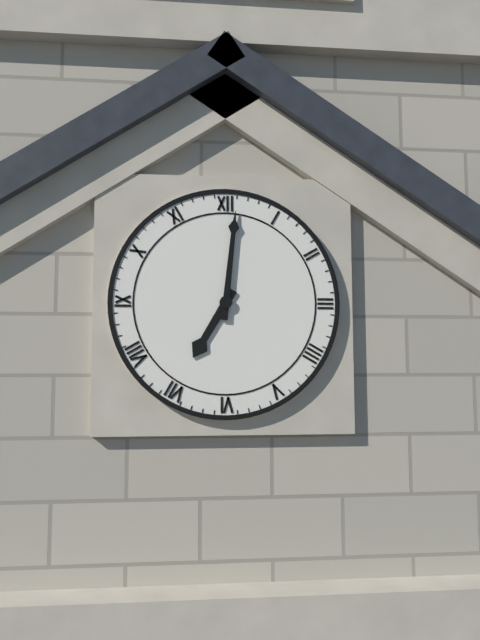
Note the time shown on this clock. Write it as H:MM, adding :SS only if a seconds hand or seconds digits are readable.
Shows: 7:01
